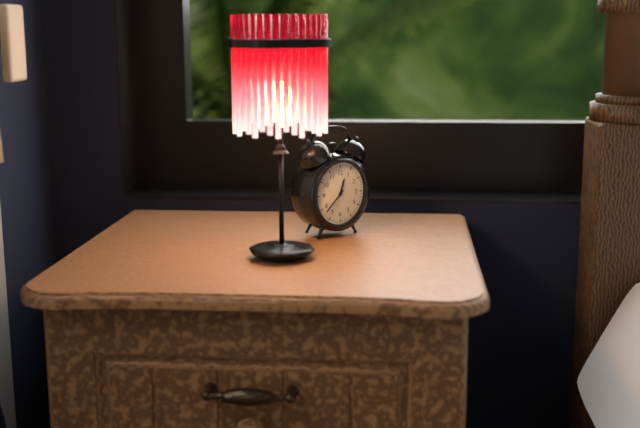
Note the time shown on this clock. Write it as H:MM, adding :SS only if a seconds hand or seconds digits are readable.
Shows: 12:38
